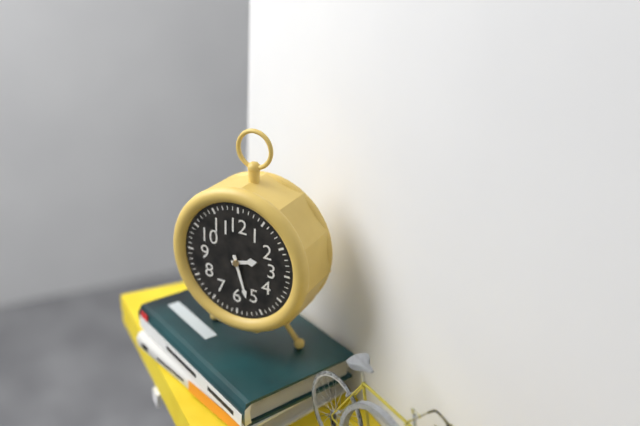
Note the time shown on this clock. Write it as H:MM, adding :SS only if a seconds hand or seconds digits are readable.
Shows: 2:27
